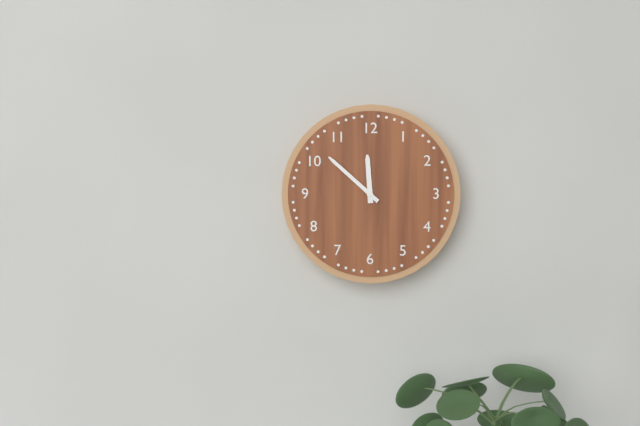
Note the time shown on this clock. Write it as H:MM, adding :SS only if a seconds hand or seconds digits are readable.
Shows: 11:52
